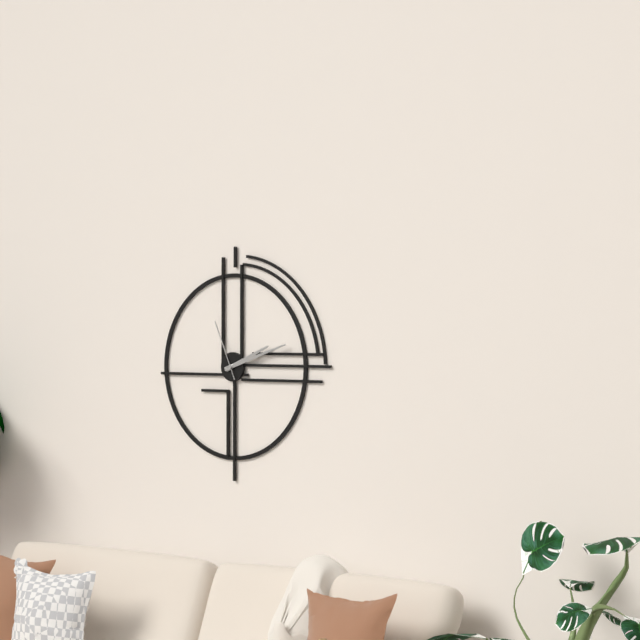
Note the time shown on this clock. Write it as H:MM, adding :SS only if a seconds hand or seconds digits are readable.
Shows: 2:12:56
